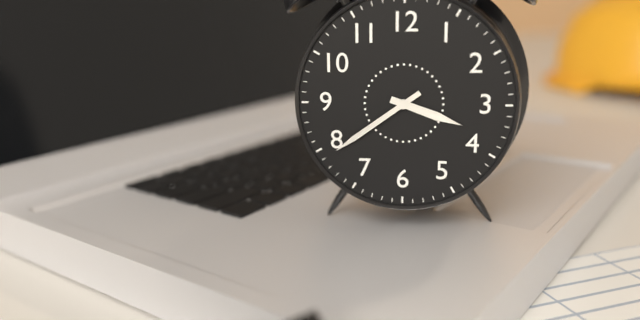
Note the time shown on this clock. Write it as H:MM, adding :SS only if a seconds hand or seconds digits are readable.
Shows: 3:39
